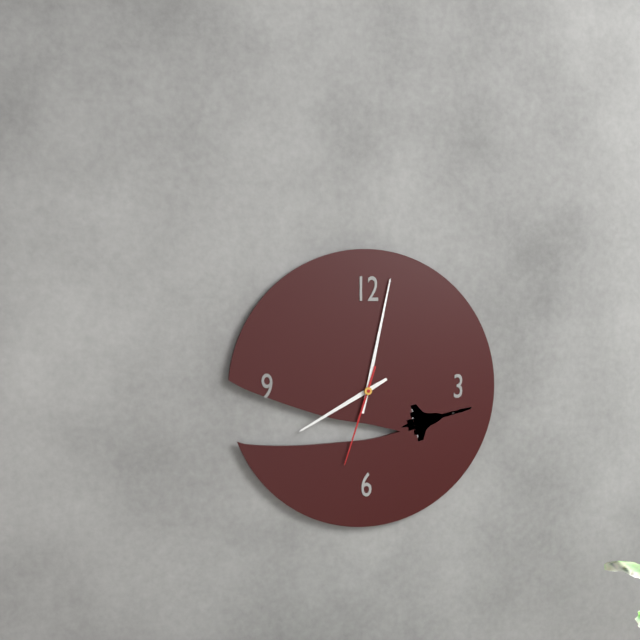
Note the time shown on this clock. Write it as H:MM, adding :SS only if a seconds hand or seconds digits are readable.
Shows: 8:02:33
